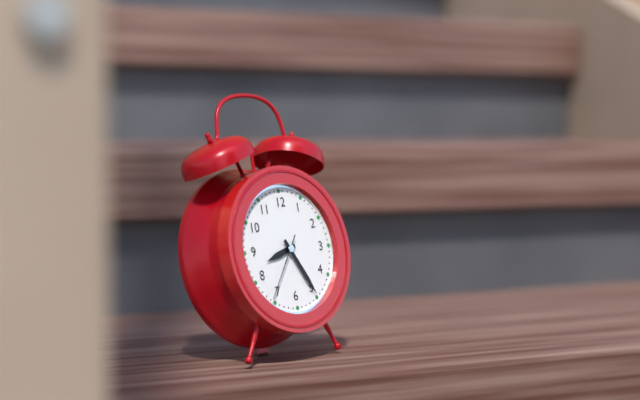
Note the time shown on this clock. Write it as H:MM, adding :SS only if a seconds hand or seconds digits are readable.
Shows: 8:25:36
